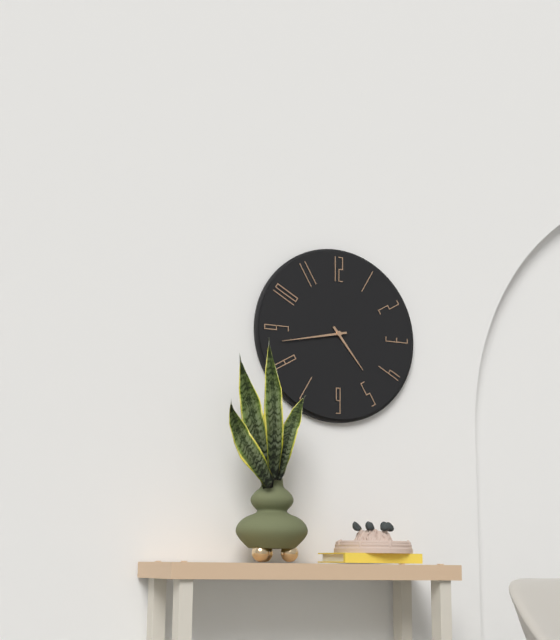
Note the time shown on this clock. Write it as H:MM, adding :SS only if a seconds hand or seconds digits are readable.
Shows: 4:43
